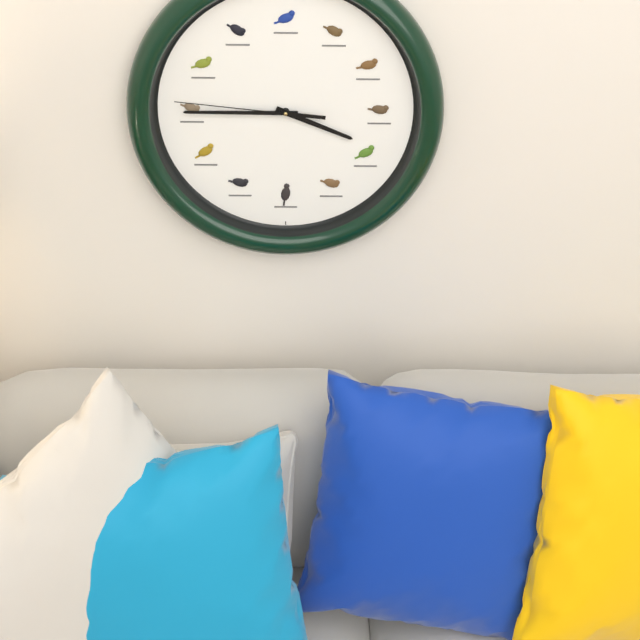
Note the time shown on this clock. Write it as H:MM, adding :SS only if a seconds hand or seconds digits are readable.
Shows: 3:45:46
